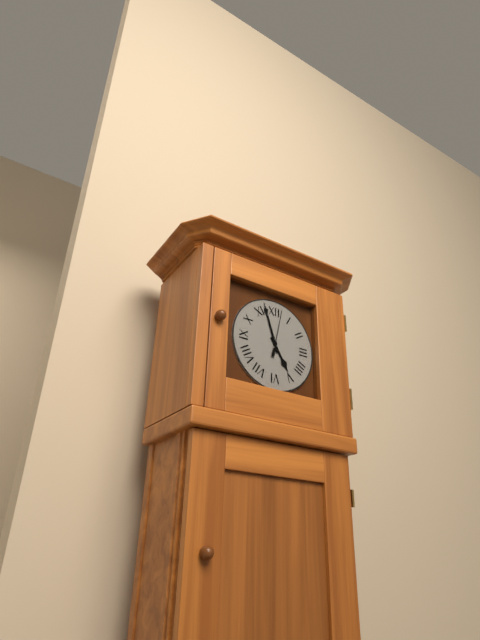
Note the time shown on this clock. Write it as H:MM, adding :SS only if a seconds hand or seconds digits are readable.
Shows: 4:57
